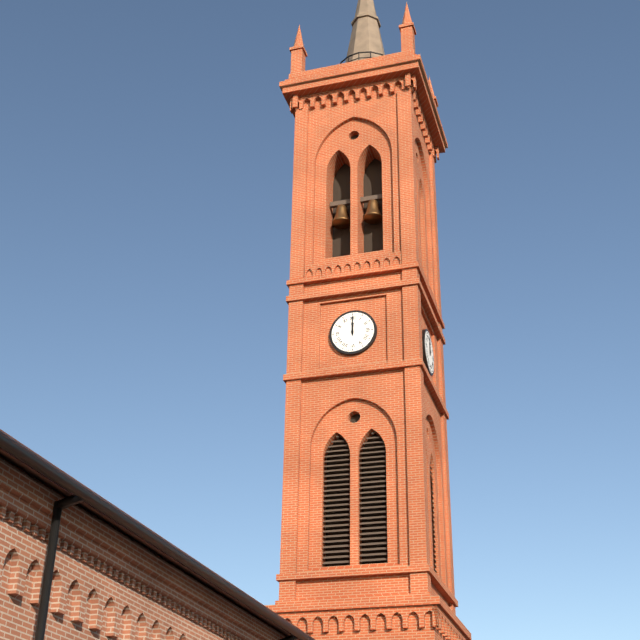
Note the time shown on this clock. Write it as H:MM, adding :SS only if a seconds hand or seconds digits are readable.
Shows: 12:00
